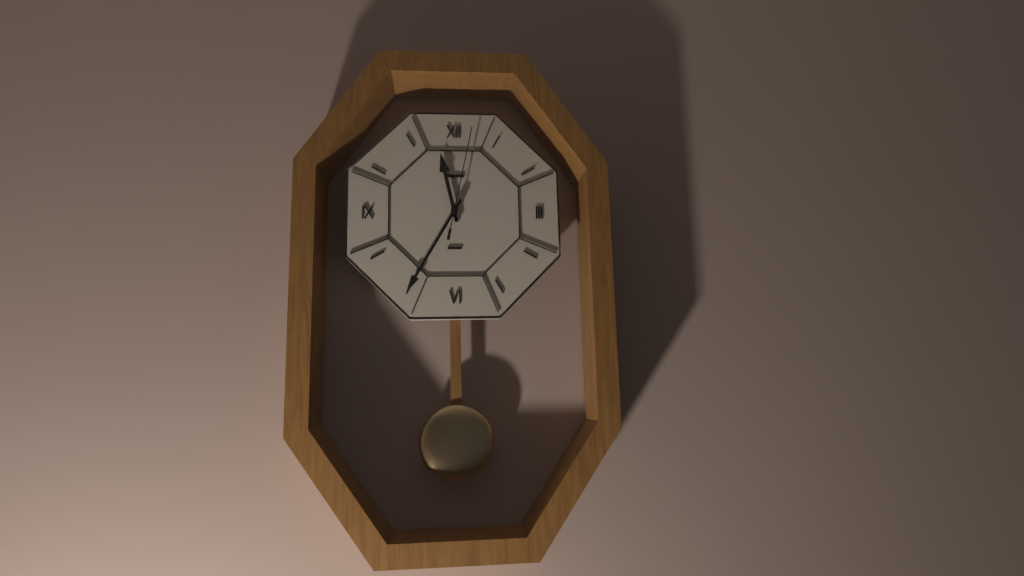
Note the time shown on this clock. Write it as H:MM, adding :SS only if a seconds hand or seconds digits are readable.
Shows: 11:35:02
